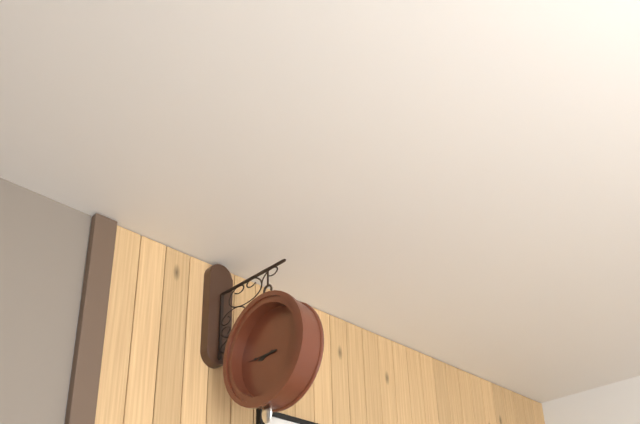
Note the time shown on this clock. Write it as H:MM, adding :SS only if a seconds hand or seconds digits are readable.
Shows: 8:45
